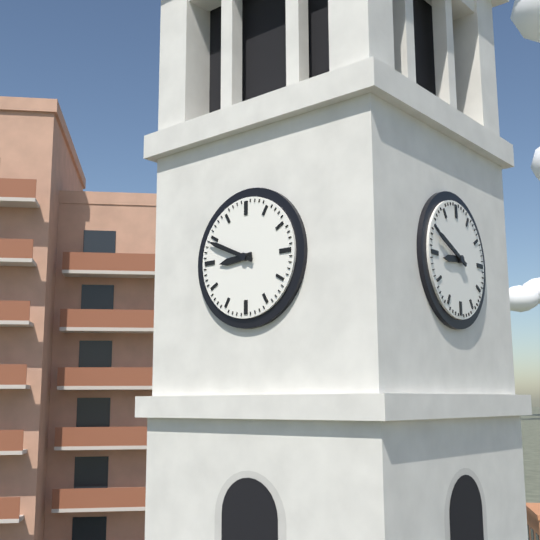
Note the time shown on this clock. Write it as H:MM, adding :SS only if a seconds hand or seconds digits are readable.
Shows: 8:49
